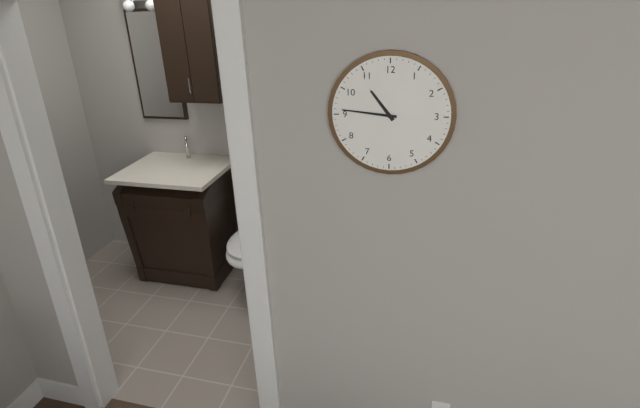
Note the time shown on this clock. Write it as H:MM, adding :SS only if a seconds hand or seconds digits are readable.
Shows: 10:46
